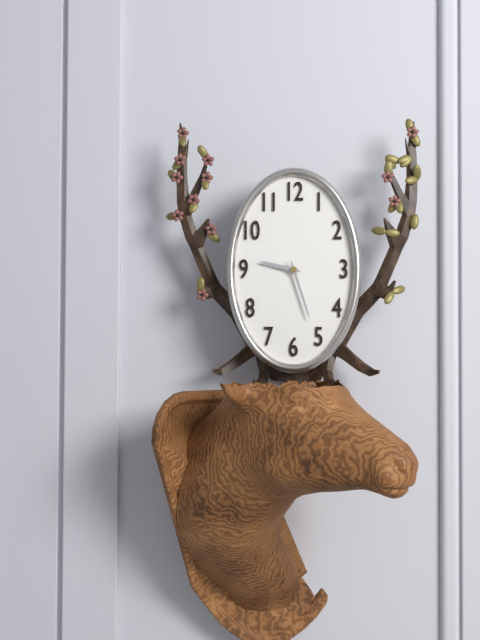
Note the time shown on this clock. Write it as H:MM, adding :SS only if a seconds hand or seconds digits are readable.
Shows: 9:27
